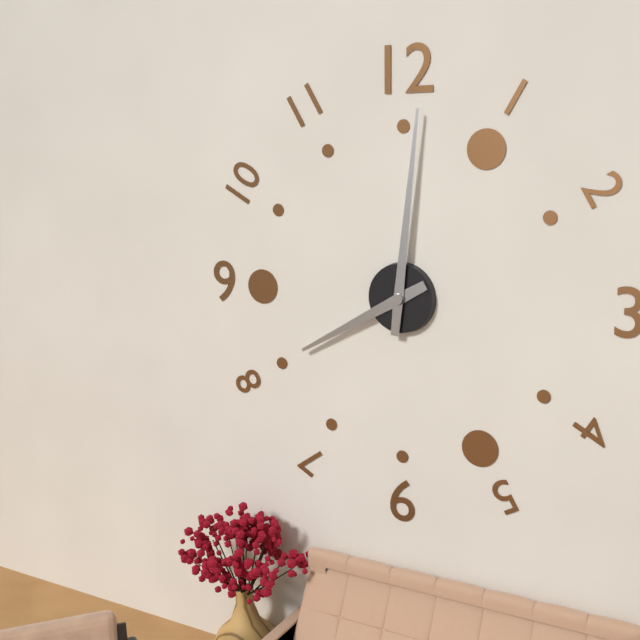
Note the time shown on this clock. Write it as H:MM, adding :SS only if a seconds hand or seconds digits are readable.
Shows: 8:01
